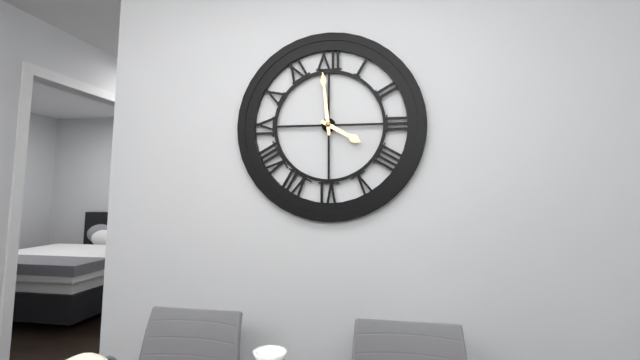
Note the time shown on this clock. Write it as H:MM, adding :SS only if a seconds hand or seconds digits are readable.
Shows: 3:59
